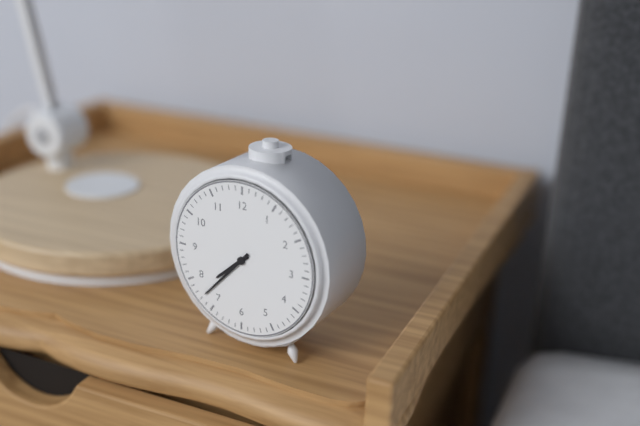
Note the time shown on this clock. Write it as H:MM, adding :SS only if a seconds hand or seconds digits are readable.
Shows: 7:37
